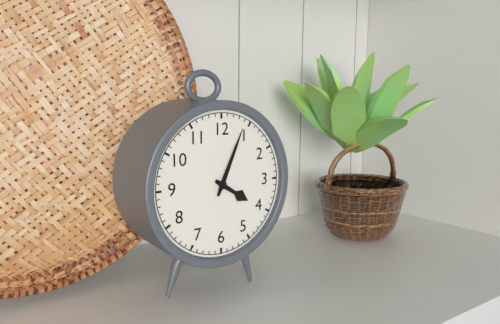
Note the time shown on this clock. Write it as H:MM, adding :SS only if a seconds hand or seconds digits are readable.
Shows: 4:04
